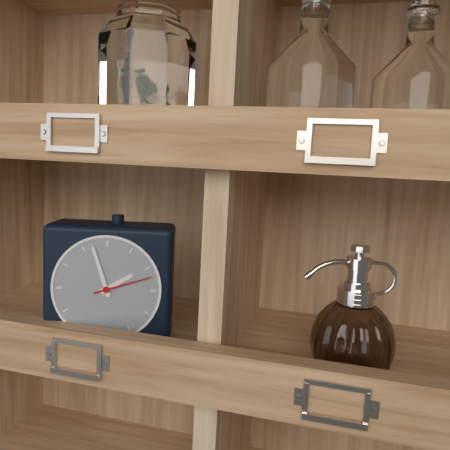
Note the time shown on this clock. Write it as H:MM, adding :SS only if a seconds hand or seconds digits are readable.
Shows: 1:57:12
